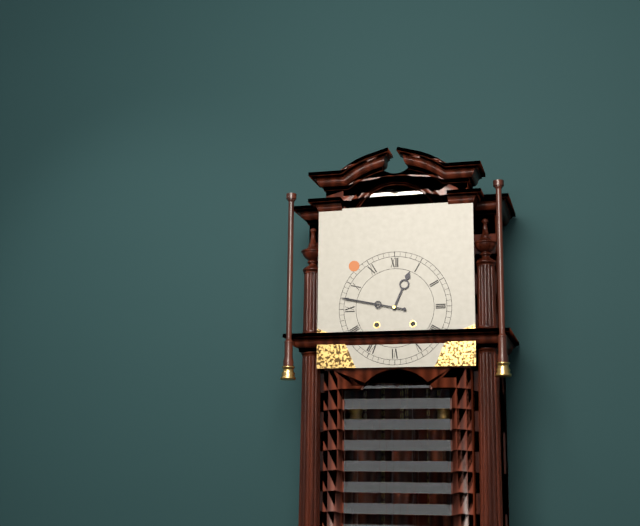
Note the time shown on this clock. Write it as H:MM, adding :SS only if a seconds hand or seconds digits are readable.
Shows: 12:47
